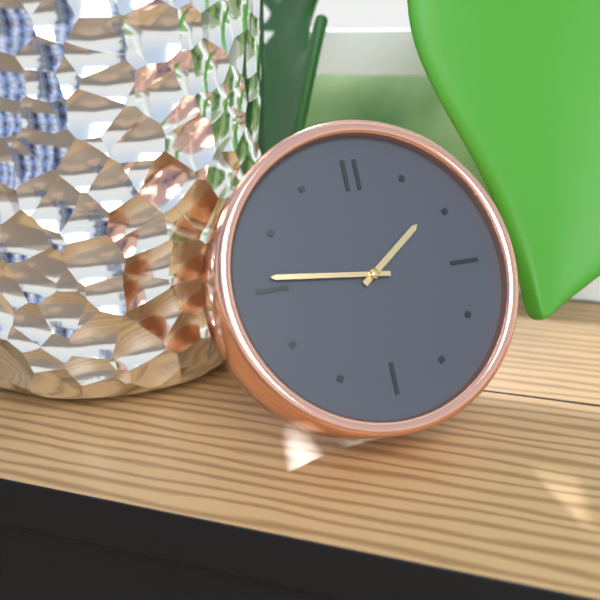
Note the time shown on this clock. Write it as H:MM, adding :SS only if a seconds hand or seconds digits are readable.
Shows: 1:46
